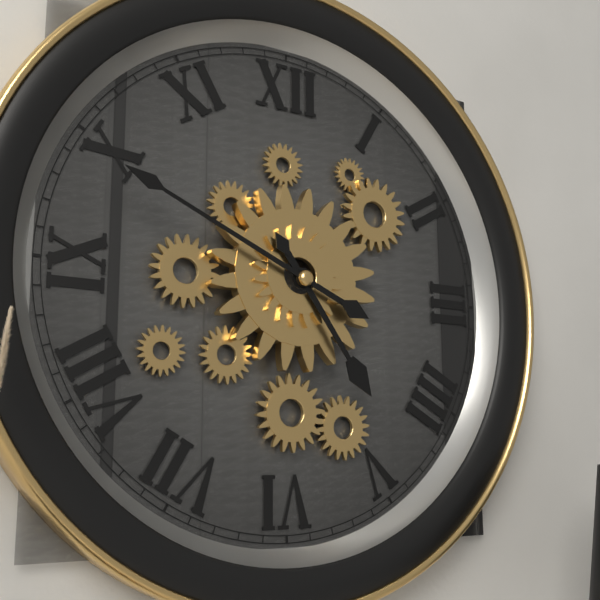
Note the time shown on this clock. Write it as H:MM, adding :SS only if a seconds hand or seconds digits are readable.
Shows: 4:49
